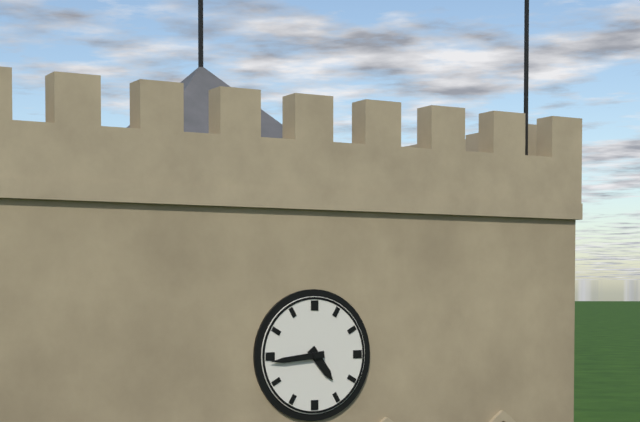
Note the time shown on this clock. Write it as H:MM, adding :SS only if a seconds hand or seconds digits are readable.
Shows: 4:44
